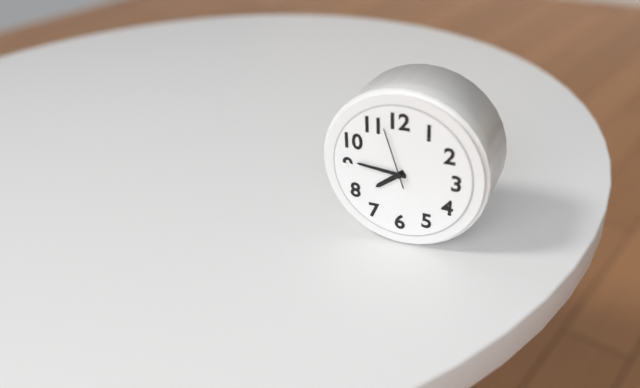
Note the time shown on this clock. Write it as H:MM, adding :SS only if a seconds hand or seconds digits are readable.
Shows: 7:46:57
